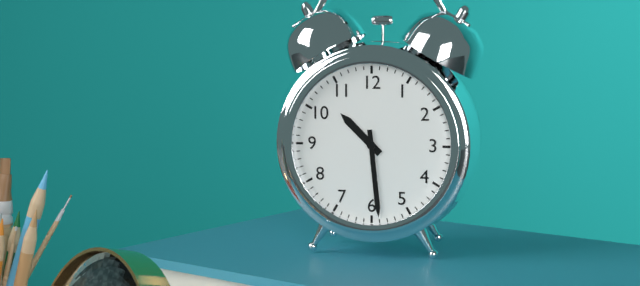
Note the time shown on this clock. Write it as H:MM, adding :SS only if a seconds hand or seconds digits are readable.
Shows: 10:29
